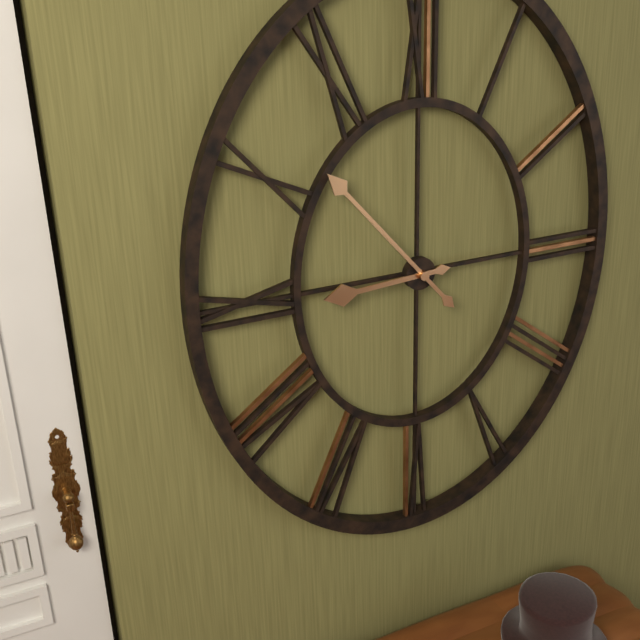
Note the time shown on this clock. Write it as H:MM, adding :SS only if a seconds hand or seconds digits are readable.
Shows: 8:53
